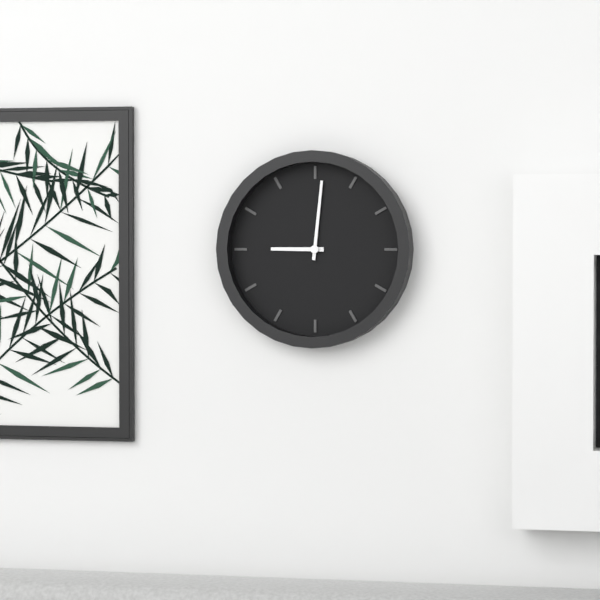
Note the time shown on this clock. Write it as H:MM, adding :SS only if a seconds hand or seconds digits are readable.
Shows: 9:01
